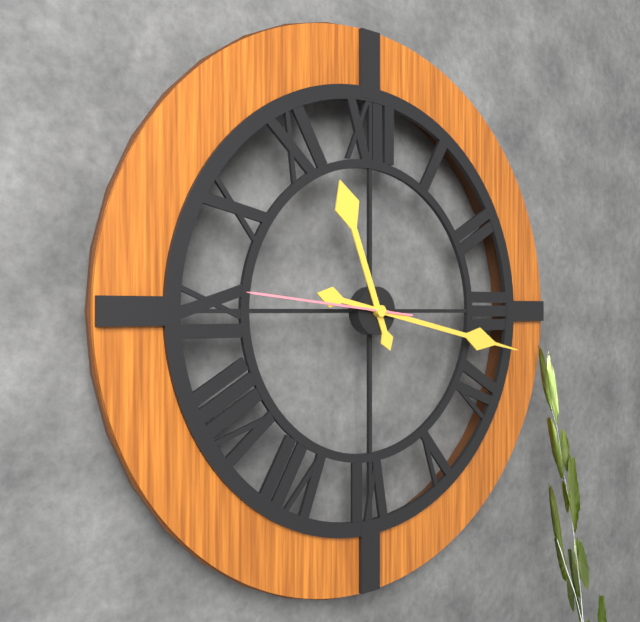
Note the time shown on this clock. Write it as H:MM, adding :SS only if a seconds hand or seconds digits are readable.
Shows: 11:17:46
